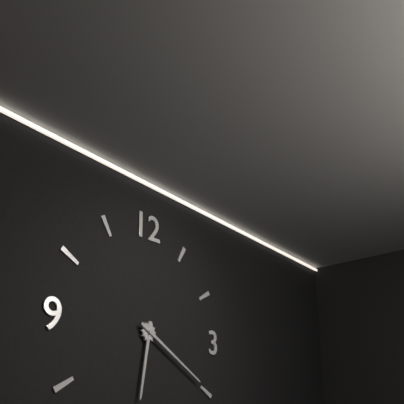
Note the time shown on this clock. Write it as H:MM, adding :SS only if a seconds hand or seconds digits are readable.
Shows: 6:20
